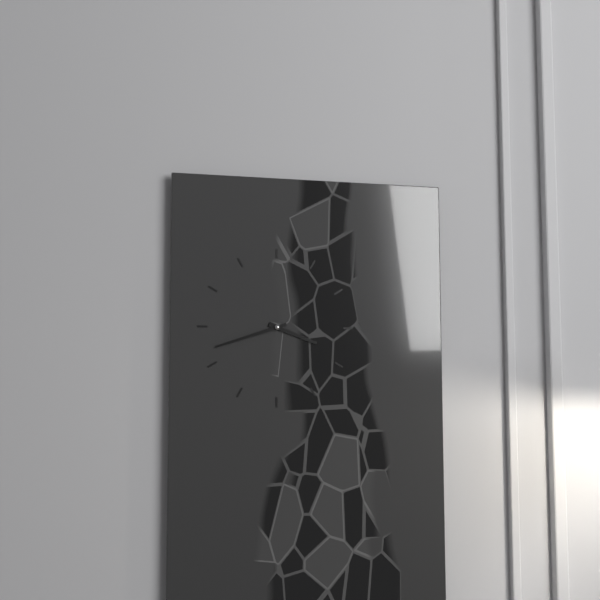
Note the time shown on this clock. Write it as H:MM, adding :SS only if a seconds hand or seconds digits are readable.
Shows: 3:42
